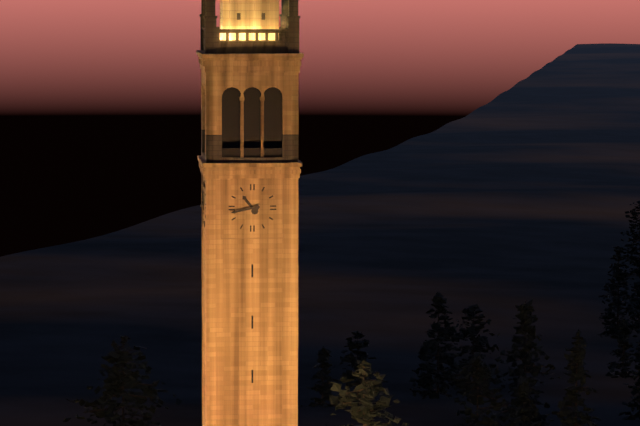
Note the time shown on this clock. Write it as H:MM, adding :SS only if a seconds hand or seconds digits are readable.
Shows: 10:43
